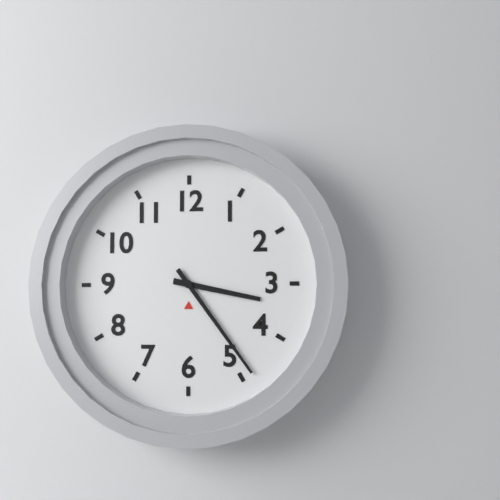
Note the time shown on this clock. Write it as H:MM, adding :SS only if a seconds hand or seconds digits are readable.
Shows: 3:24
